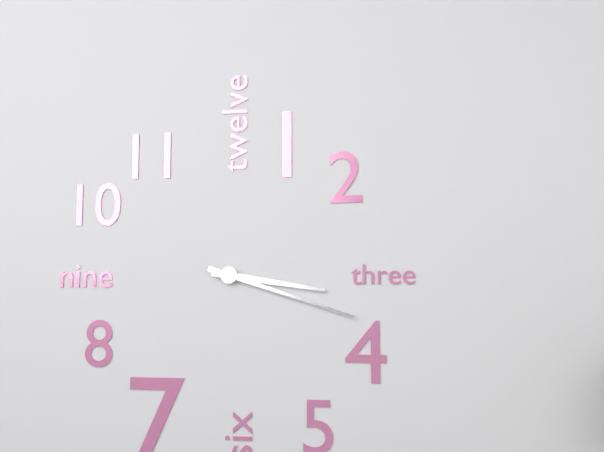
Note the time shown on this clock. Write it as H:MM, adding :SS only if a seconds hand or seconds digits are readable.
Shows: 3:18
